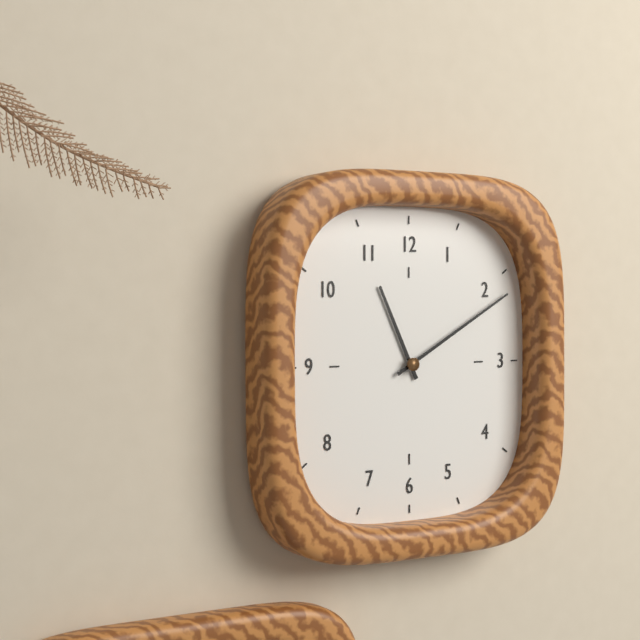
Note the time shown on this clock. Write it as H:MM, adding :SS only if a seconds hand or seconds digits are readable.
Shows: 11:10
